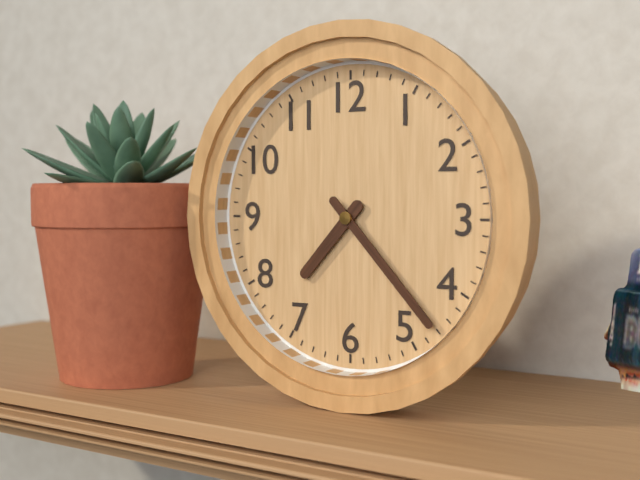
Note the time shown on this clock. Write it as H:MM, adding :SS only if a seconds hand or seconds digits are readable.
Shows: 7:23
